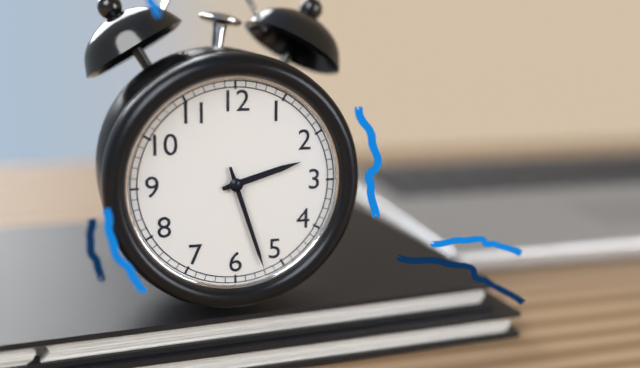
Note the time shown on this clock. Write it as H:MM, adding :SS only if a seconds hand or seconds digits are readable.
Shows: 2:27
